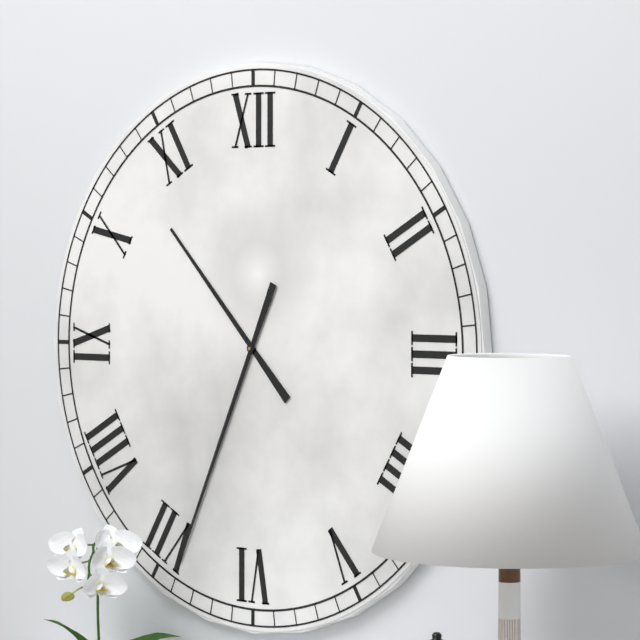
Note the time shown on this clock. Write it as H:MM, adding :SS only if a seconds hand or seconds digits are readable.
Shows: 10:34
